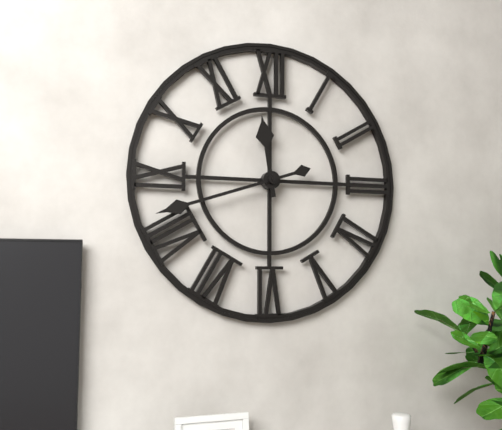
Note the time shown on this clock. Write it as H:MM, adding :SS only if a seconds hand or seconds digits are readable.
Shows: 11:42
